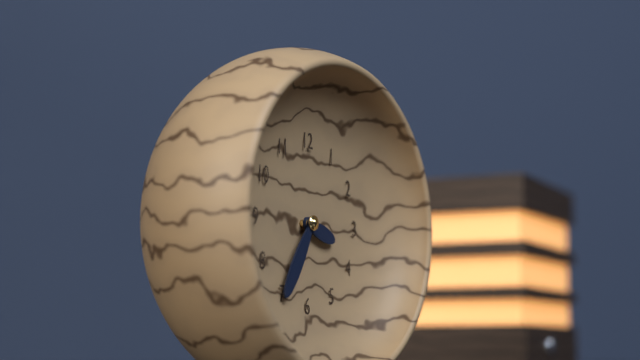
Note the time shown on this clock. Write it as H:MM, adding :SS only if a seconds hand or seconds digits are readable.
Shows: 3:35
